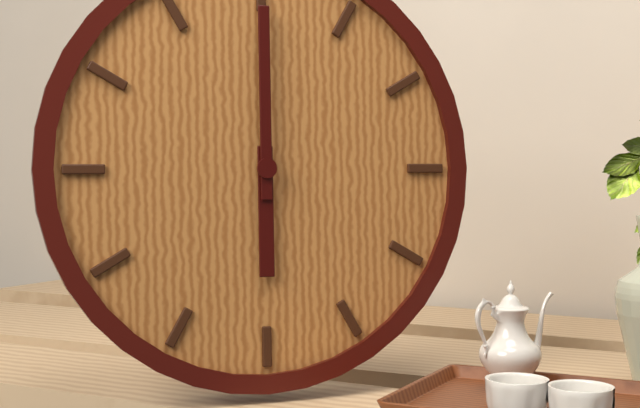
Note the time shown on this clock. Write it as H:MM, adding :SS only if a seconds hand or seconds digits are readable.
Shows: 6:00
